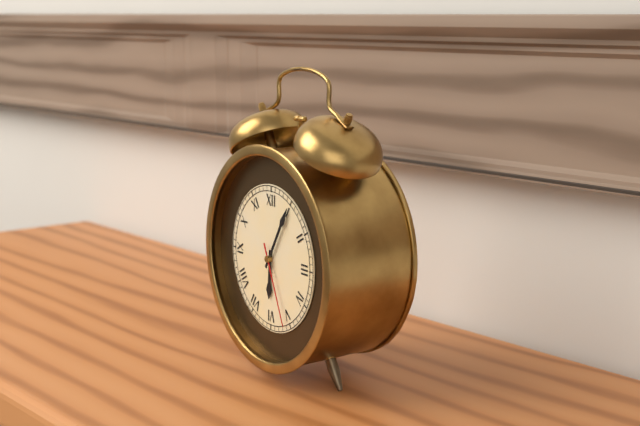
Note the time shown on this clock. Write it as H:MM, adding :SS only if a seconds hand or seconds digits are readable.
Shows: 6:05:26
